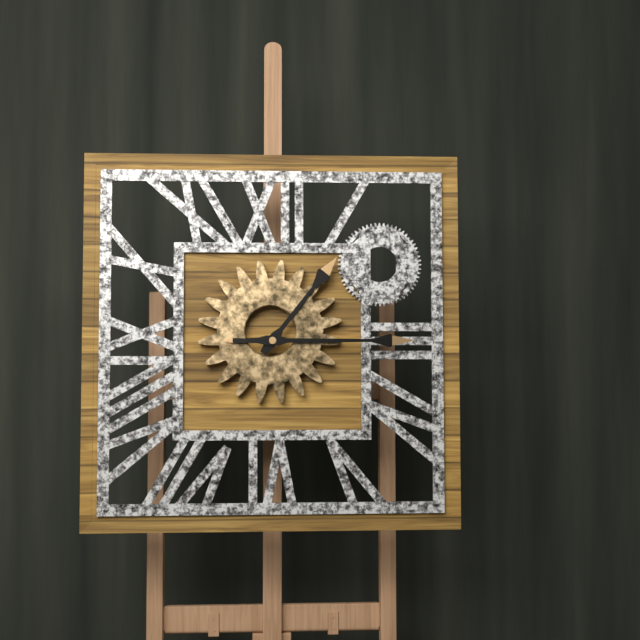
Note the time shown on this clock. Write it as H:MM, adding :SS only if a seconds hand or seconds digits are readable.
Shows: 1:15
